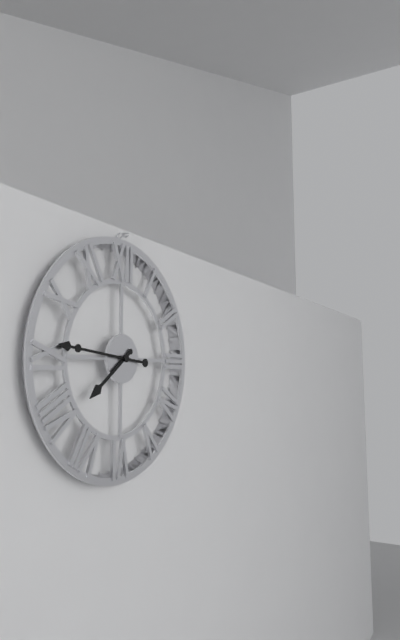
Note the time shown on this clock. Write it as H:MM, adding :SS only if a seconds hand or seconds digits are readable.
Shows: 7:46
